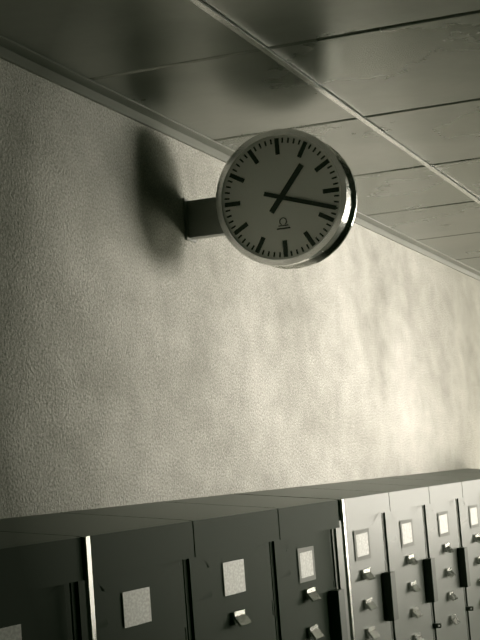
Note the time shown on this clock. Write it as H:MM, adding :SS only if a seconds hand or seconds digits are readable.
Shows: 1:18
